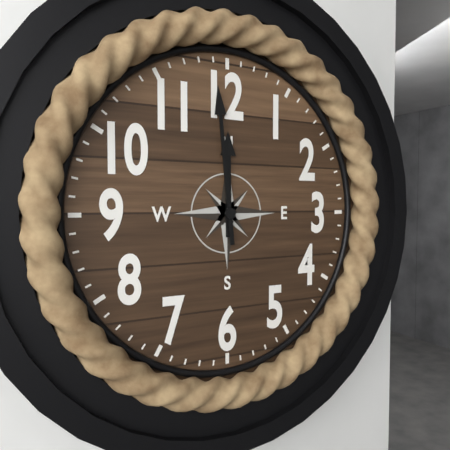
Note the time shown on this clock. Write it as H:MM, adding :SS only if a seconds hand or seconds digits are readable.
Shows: 11:59
